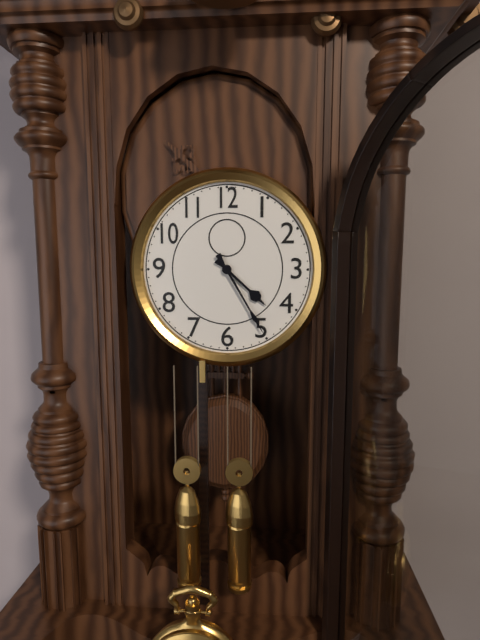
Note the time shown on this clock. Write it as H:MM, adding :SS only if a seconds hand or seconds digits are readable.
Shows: 4:25
